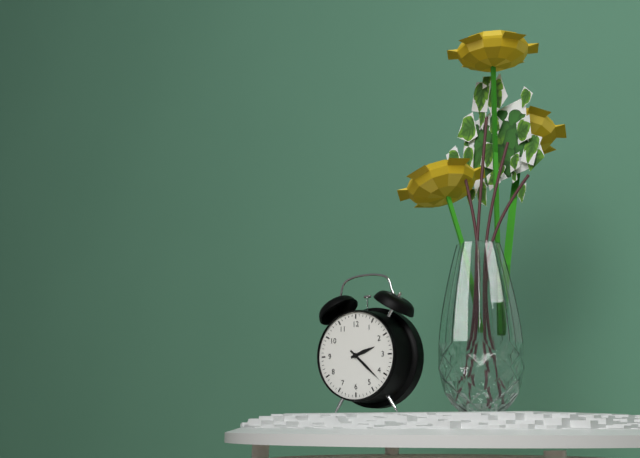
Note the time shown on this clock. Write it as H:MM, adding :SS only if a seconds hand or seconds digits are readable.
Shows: 2:22
